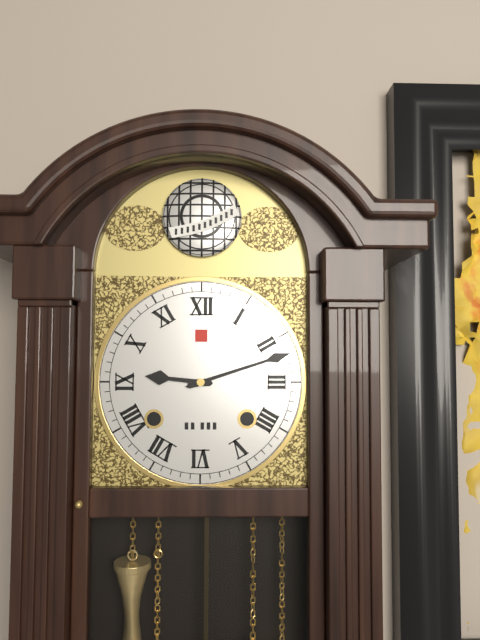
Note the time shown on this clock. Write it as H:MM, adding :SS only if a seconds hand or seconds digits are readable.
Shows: 9:12
